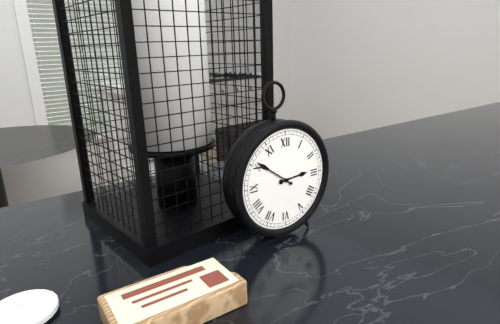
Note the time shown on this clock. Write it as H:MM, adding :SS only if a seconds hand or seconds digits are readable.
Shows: 2:51
